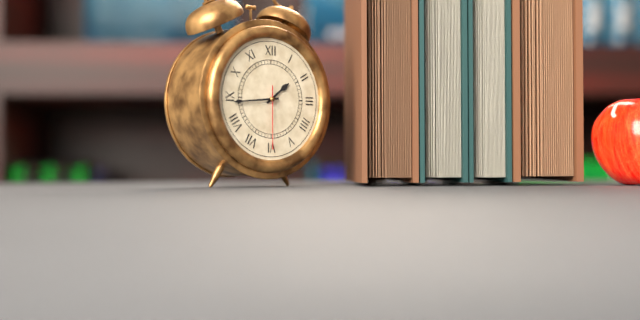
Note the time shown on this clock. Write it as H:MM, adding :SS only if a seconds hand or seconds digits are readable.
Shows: 1:44:30
